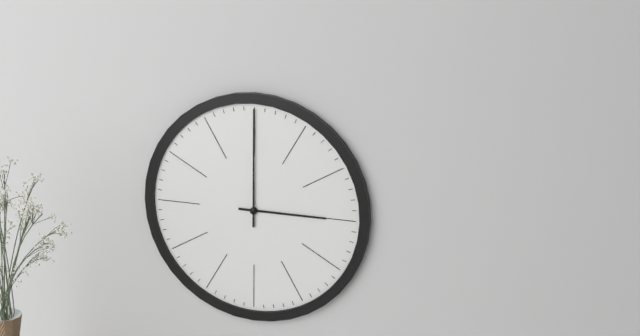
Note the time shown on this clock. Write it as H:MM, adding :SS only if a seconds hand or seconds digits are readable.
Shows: 3:00
